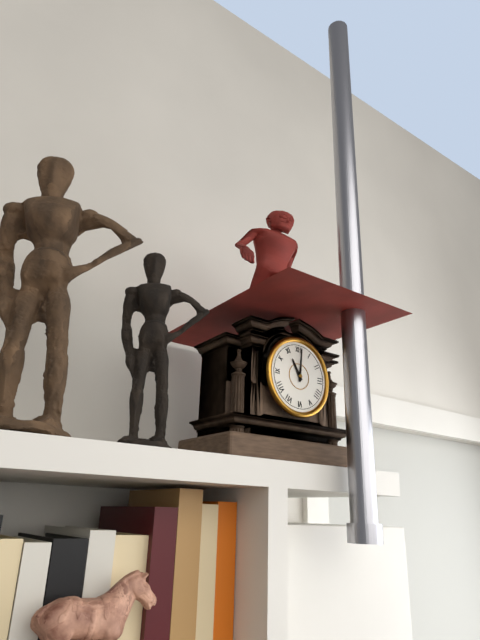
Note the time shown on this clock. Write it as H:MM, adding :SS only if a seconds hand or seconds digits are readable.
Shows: 11:01
